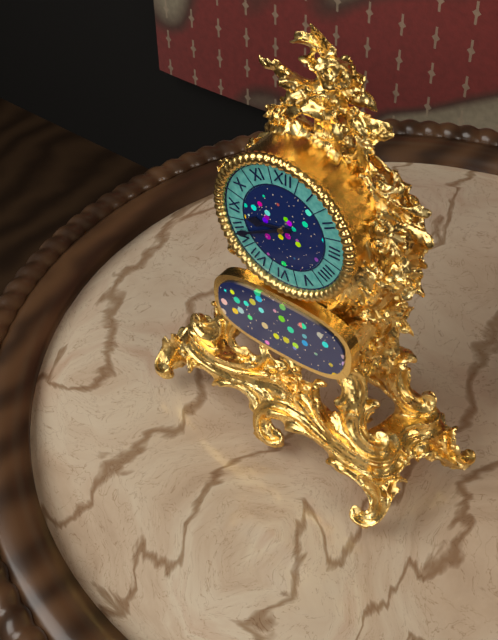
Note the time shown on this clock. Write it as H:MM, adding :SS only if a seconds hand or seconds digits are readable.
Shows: 8:40
